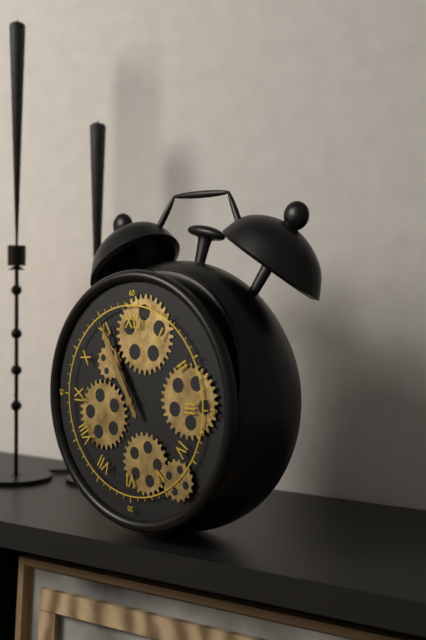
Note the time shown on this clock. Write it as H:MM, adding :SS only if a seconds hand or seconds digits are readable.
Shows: 10:55
